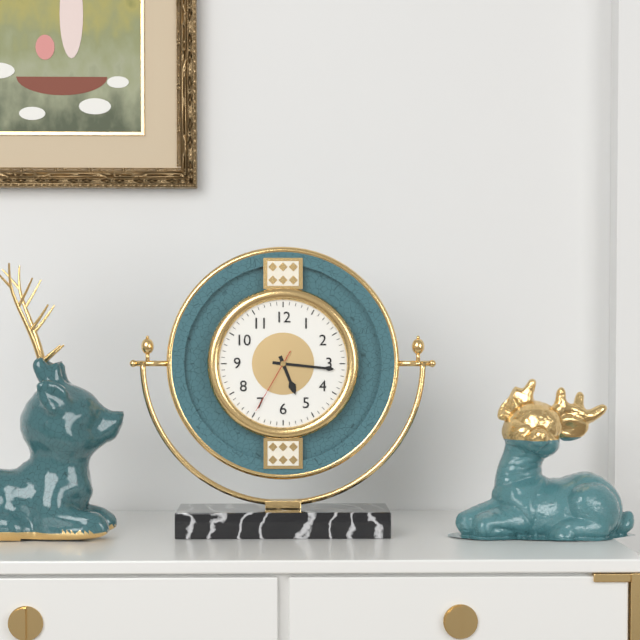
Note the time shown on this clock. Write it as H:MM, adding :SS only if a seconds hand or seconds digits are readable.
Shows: 5:16:35
